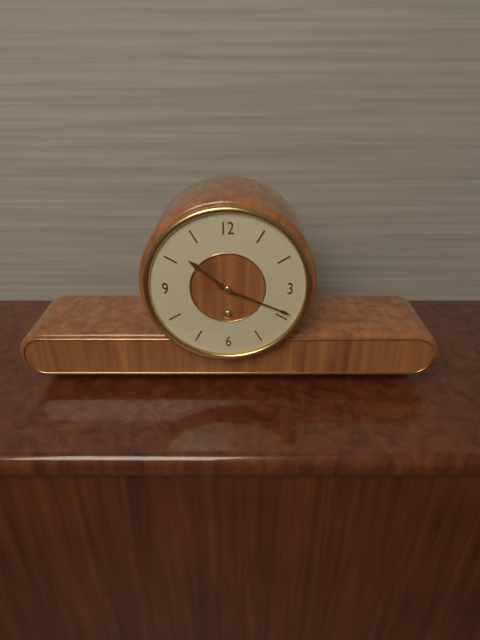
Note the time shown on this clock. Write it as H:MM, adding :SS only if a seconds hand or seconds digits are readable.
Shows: 10:19
